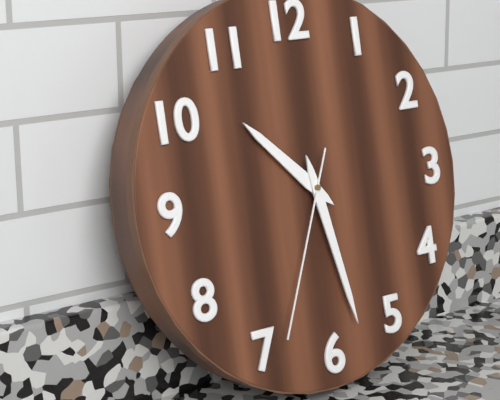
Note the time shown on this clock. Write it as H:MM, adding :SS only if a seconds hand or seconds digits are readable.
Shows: 10:28:34
